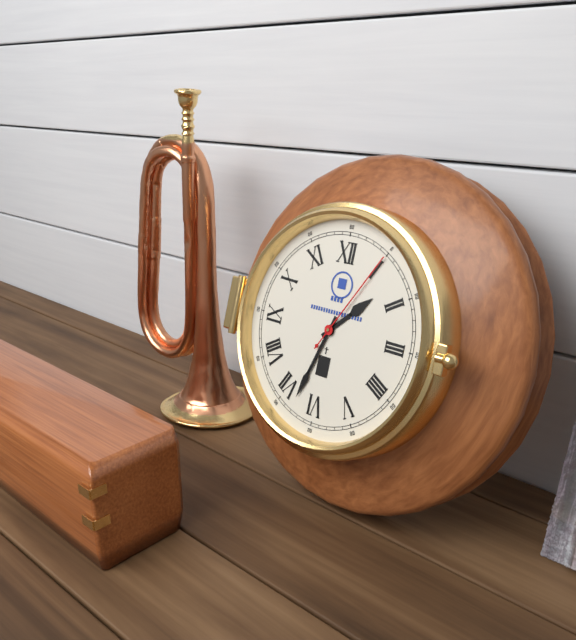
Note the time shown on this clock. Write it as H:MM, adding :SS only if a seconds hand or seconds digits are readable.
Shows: 1:33:05
